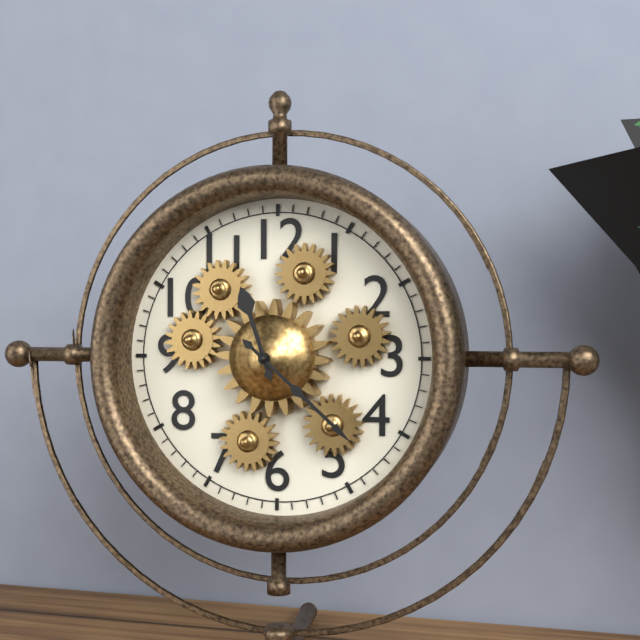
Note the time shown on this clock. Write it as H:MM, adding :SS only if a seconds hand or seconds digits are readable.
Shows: 11:22
